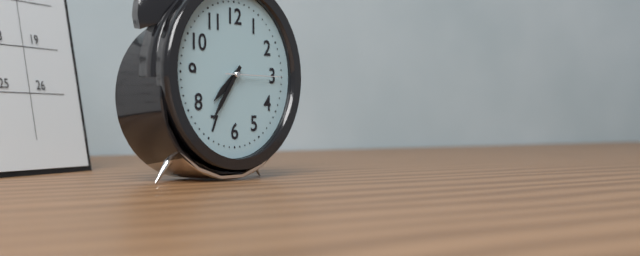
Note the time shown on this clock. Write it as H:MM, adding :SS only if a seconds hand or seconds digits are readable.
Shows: 7:36:15
